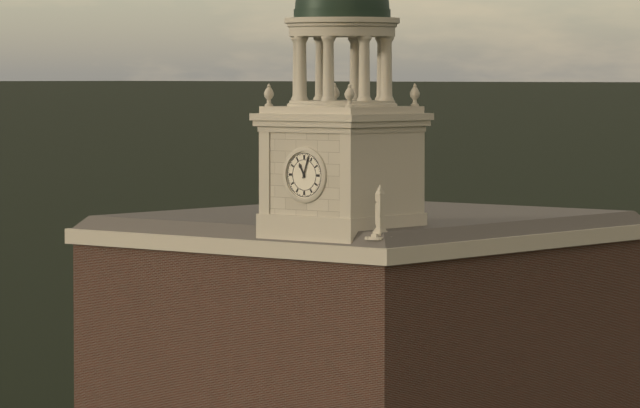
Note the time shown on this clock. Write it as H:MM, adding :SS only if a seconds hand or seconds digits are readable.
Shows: 11:03
